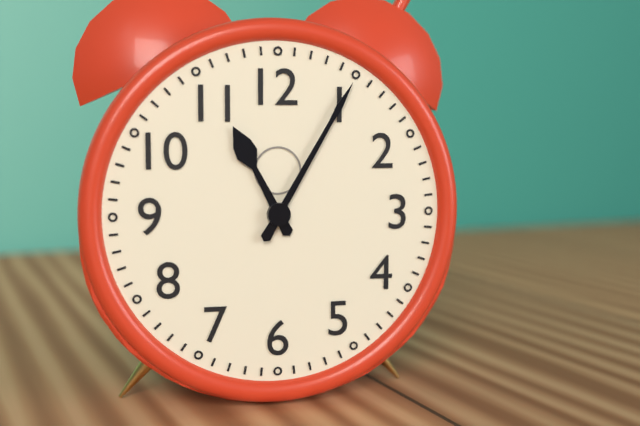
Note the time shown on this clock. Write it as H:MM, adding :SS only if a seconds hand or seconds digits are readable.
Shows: 11:05
